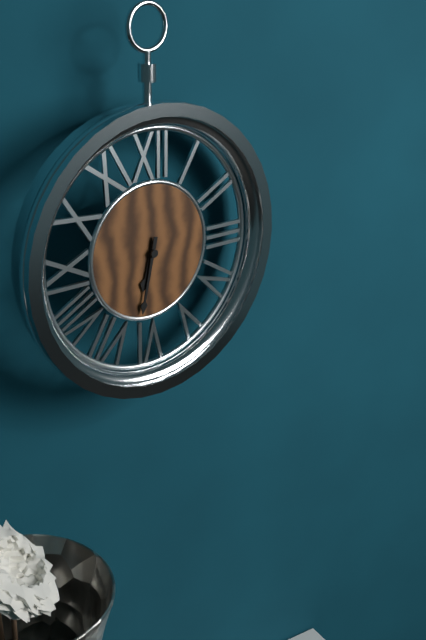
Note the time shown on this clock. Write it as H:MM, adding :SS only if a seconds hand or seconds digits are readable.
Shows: 6:32
